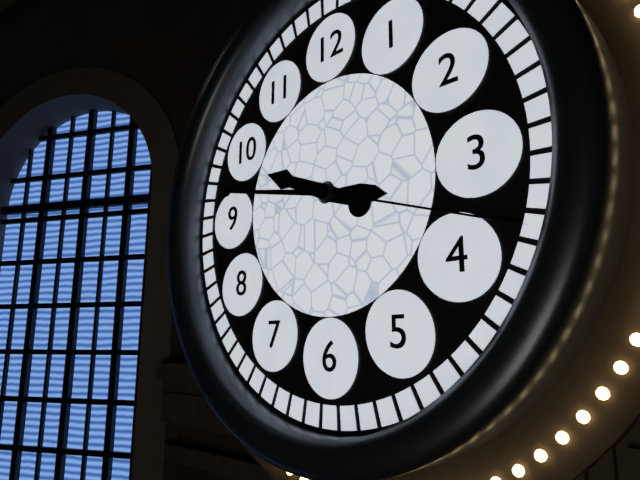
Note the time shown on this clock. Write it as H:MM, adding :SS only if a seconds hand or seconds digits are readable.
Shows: 9:47:18
